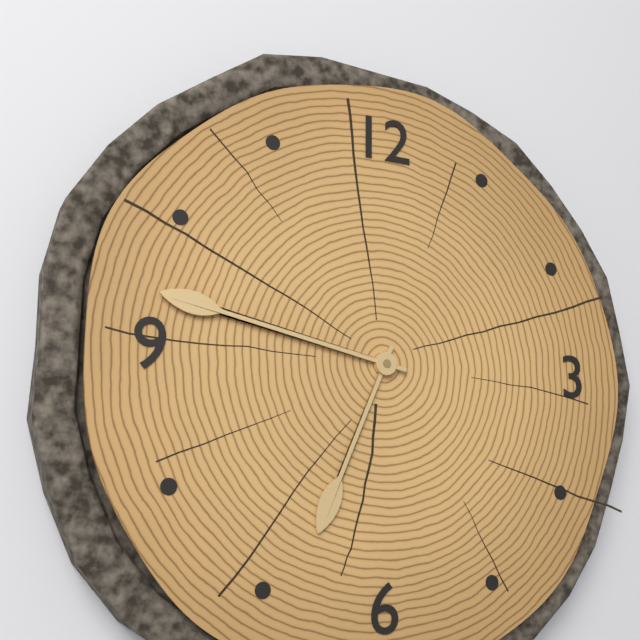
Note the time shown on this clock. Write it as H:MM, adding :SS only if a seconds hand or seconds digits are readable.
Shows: 6:47
